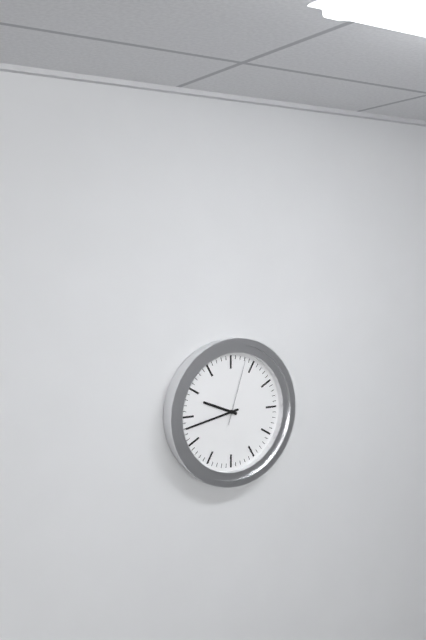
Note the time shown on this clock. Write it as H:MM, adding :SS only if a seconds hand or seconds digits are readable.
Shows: 9:43:03
